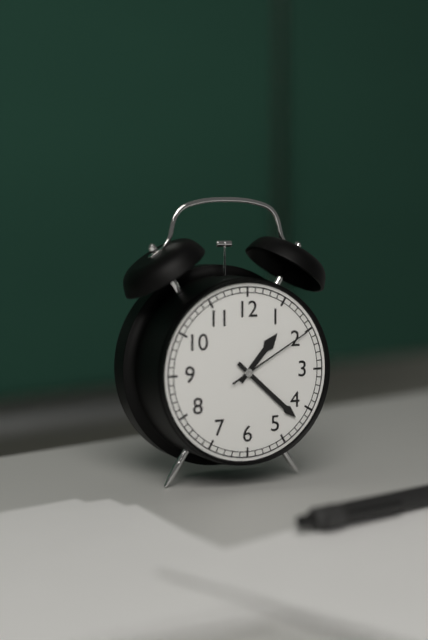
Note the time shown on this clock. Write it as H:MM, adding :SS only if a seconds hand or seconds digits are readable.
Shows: 1:22:10
